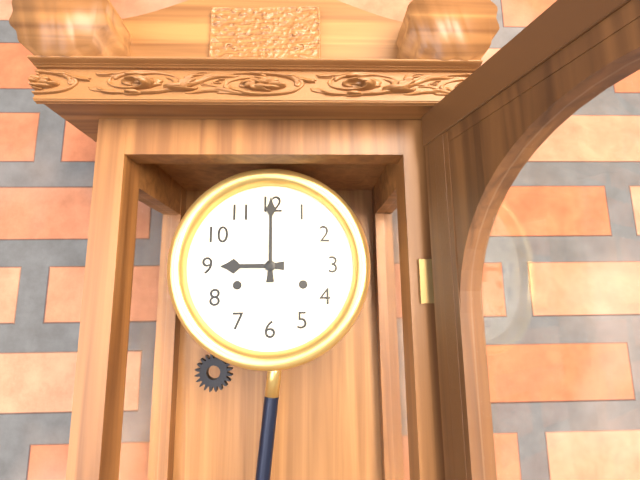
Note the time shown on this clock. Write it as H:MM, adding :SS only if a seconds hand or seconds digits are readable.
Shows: 9:00
